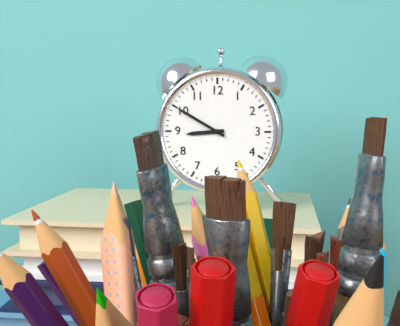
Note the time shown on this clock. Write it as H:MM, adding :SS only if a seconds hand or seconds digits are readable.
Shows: 8:50
